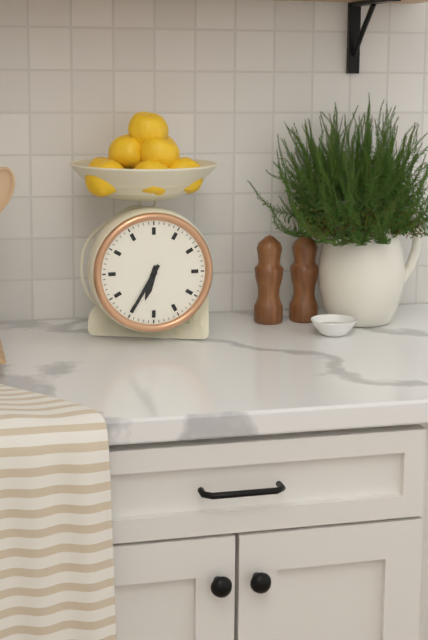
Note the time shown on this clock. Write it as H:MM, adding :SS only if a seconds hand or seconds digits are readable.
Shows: 6:35
